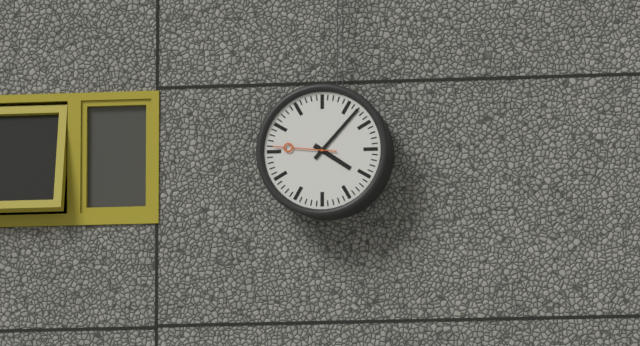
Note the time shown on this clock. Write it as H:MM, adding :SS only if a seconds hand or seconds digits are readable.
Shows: 4:07:46
